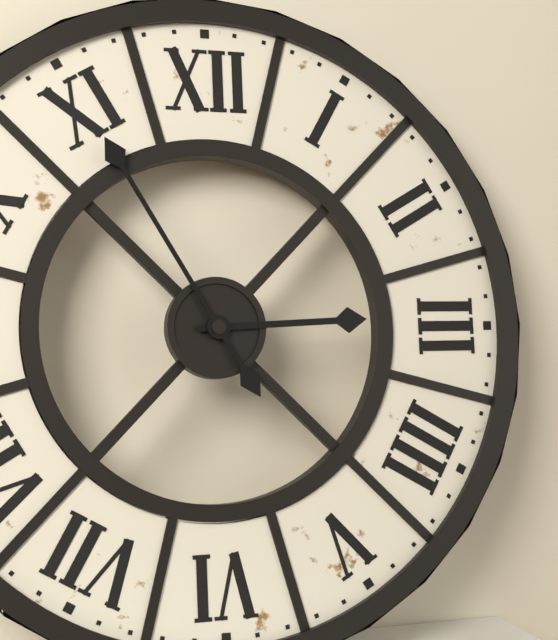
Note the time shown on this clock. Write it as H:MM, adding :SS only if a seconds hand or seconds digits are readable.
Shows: 2:55
